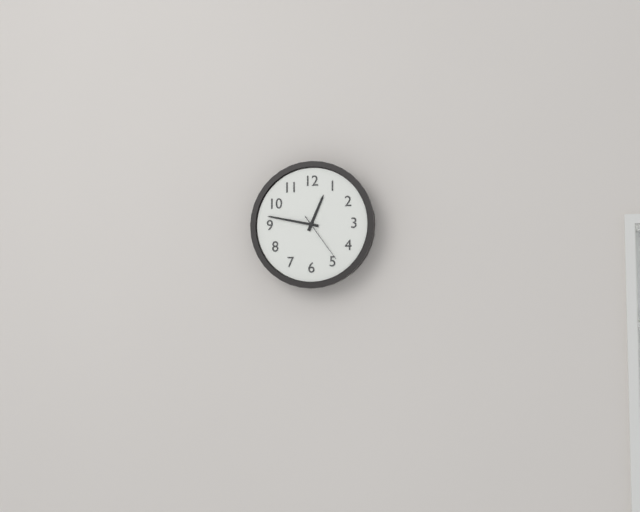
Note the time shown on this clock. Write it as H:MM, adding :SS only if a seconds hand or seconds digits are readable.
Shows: 12:47:24
